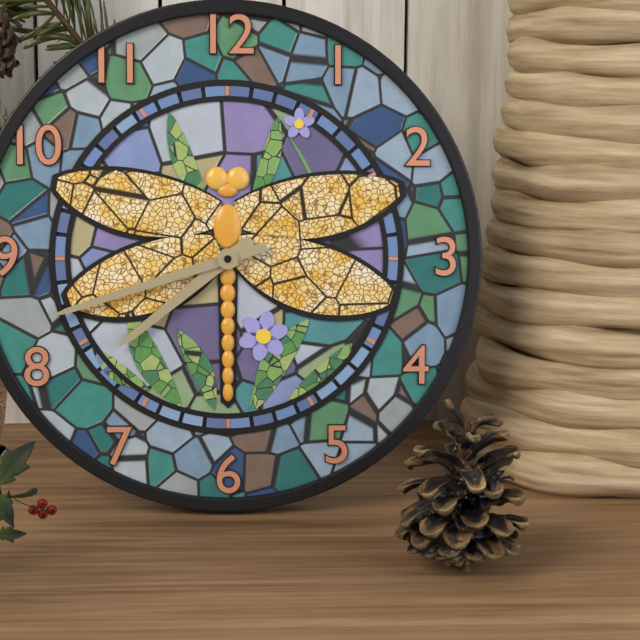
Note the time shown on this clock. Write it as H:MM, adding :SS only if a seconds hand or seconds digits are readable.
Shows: 7:42
